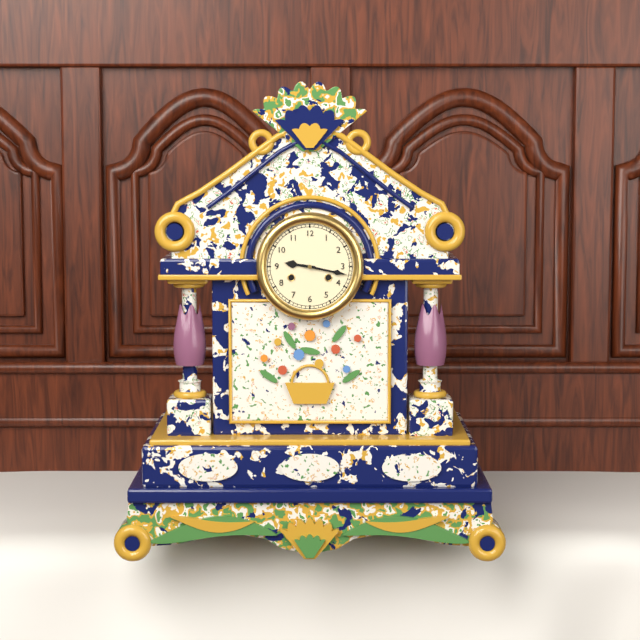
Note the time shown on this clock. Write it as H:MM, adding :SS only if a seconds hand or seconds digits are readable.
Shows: 9:17
